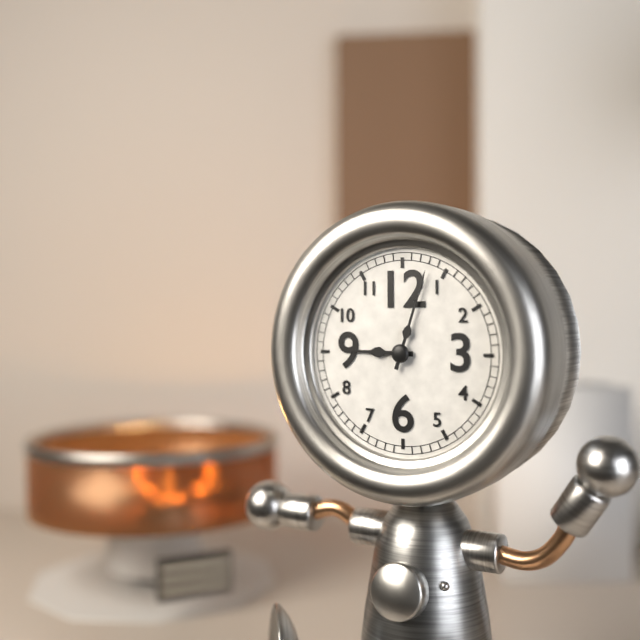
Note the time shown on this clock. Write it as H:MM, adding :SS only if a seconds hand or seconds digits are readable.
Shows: 9:03
